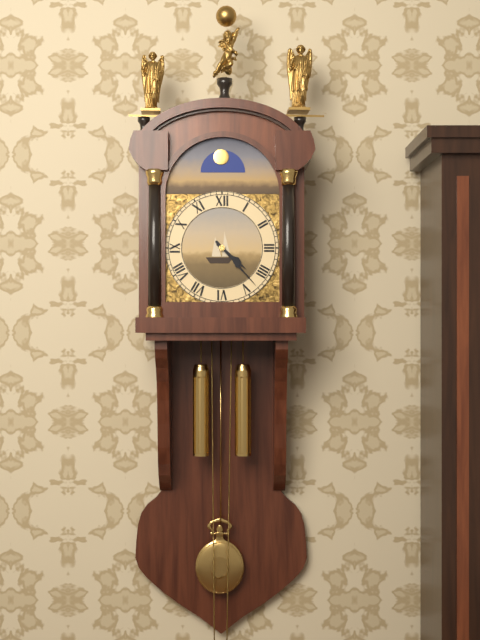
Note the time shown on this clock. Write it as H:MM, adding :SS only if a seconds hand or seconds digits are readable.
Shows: 4:23
